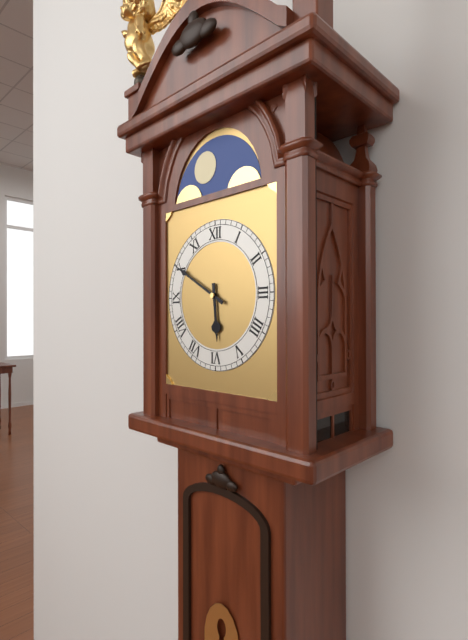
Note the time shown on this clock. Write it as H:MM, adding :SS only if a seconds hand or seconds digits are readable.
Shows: 5:50
